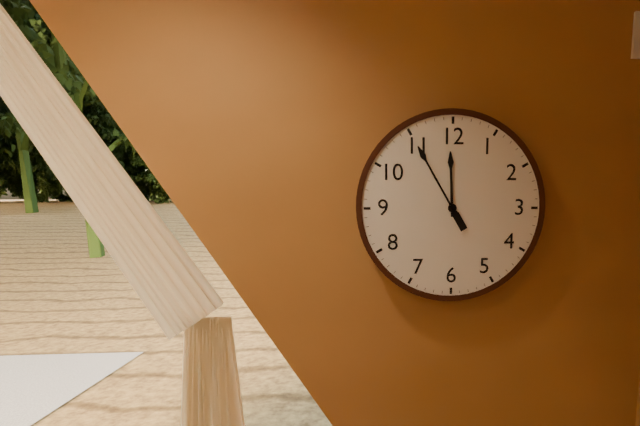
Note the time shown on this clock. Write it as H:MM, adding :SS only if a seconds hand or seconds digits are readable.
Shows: 11:55
